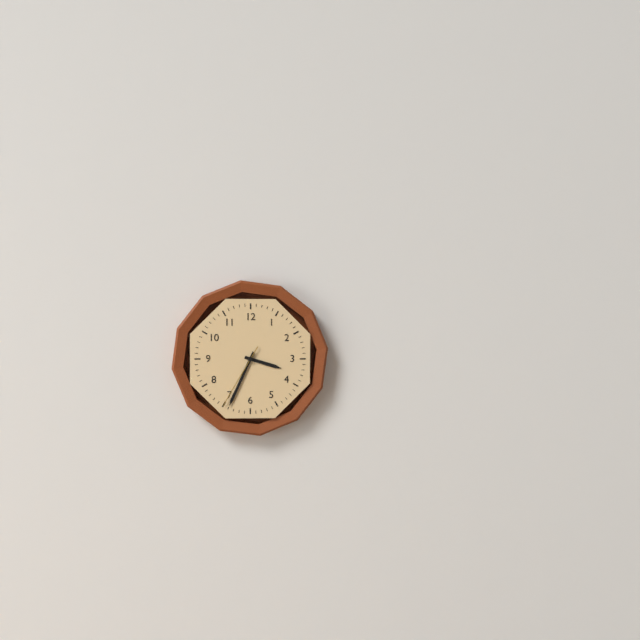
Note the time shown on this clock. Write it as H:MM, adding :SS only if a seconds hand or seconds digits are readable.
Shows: 3:34:35
